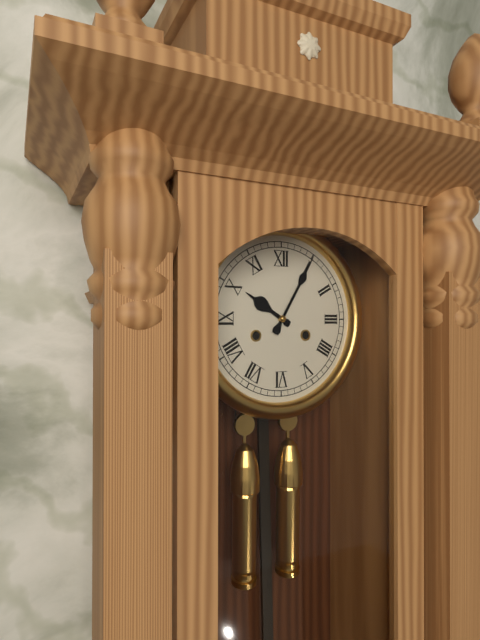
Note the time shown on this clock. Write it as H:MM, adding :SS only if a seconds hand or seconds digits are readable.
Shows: 10:05
